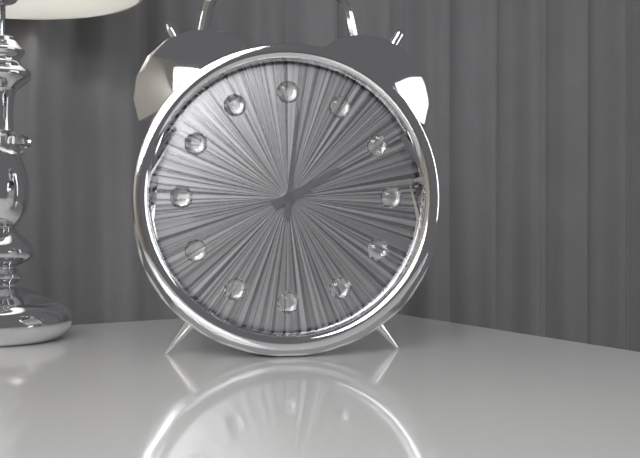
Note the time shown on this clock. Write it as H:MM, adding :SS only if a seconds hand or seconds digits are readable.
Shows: 2:01:43
